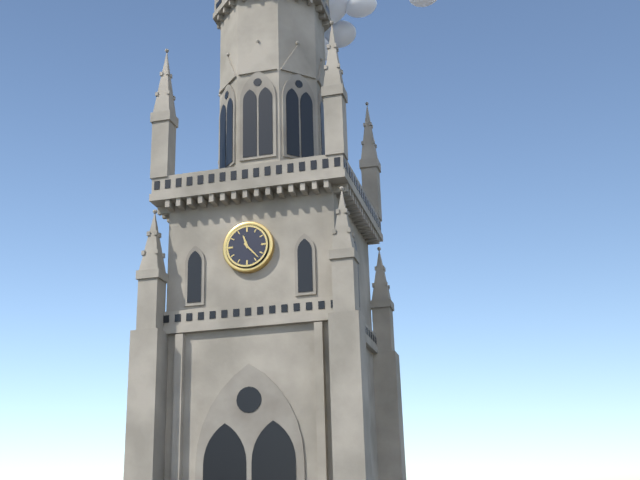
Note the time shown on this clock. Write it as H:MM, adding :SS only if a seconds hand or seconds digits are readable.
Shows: 11:23
